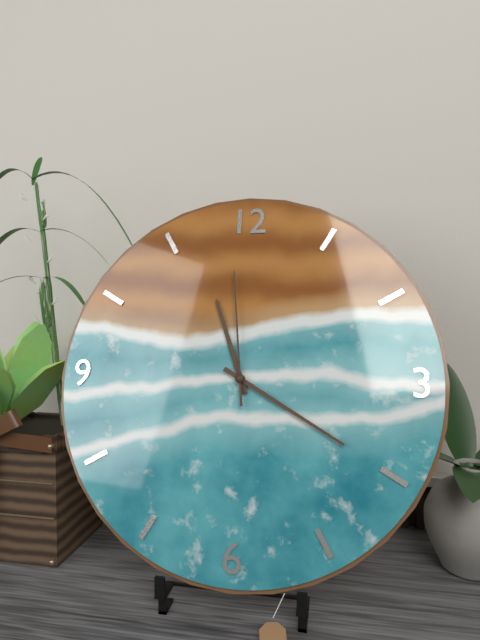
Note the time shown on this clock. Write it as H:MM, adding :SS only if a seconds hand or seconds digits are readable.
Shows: 11:20:59
